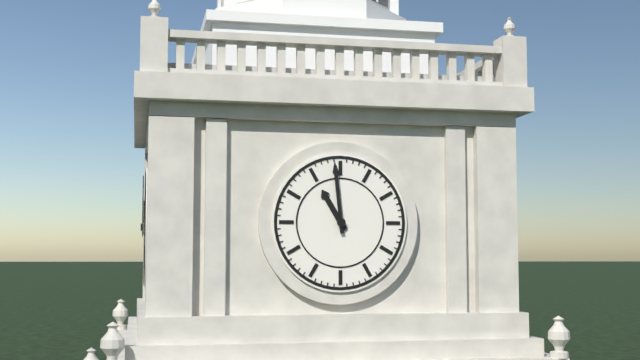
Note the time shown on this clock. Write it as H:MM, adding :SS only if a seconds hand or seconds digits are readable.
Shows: 10:59
